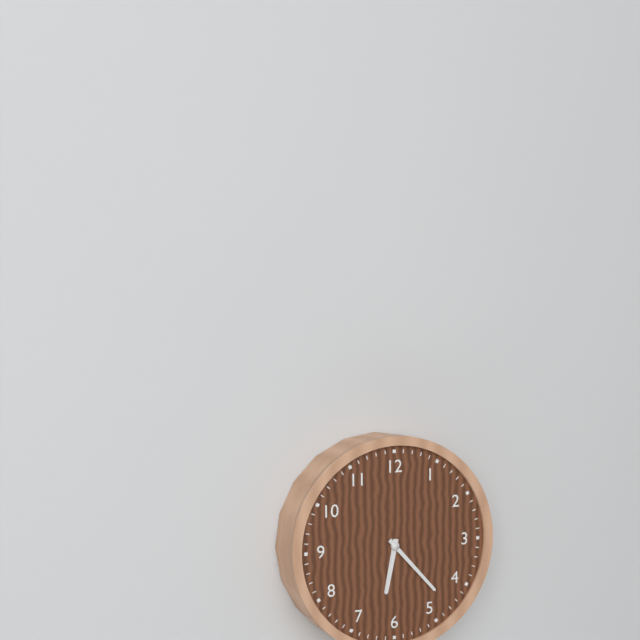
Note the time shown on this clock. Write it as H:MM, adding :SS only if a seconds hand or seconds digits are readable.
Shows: 6:23
